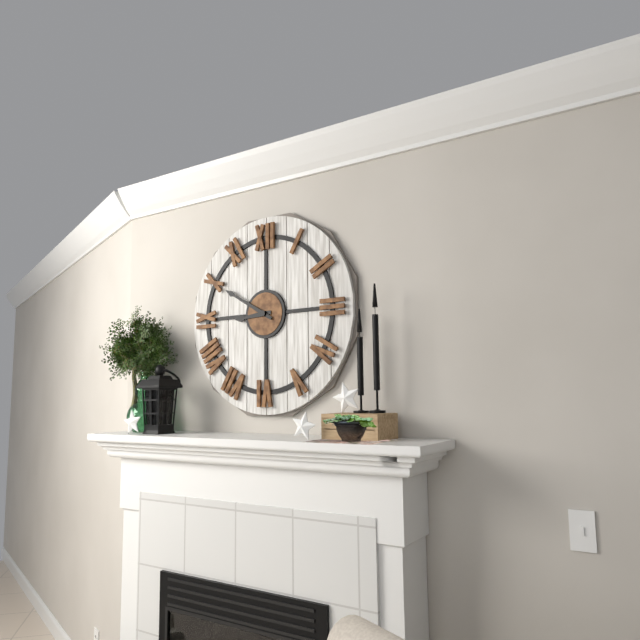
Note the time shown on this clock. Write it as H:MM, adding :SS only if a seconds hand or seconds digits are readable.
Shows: 8:50
